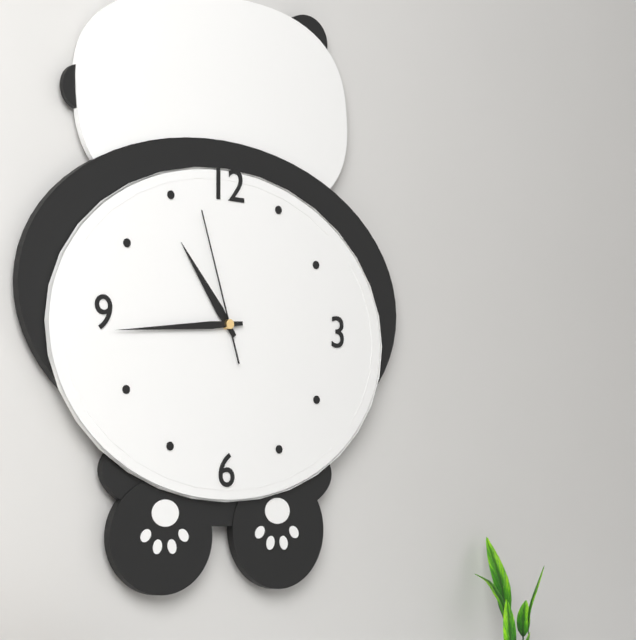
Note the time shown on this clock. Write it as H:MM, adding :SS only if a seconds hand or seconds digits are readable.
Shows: 10:44:57
